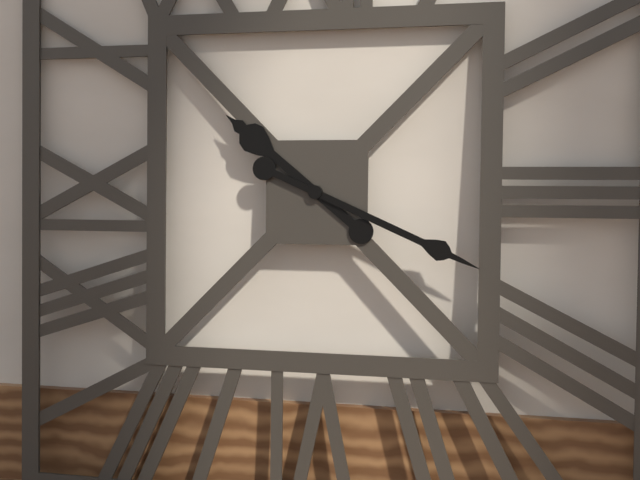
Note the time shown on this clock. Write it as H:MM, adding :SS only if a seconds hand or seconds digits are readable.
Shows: 10:19
